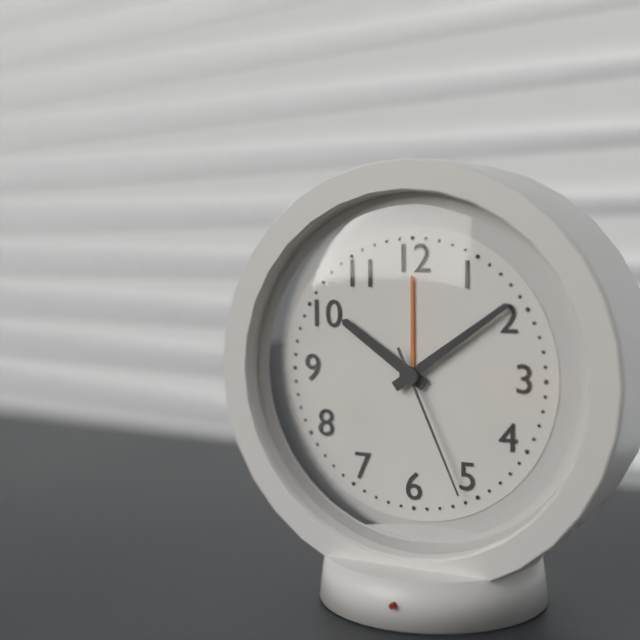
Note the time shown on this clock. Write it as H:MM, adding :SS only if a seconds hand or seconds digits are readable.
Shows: 10:09:26
